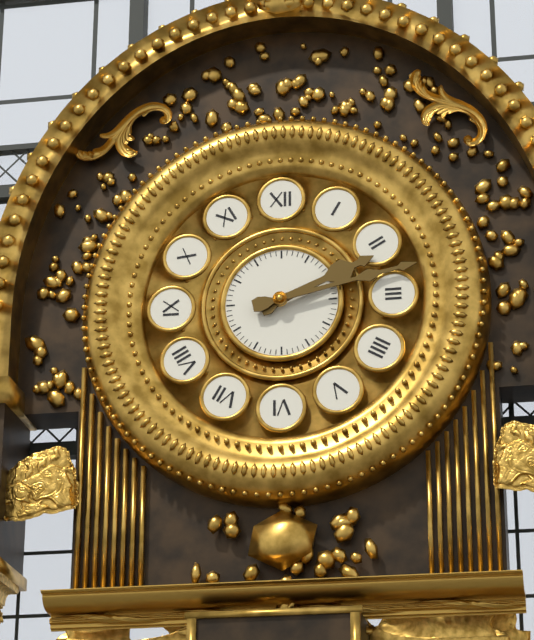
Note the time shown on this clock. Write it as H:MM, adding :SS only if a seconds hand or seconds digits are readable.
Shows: 2:13
